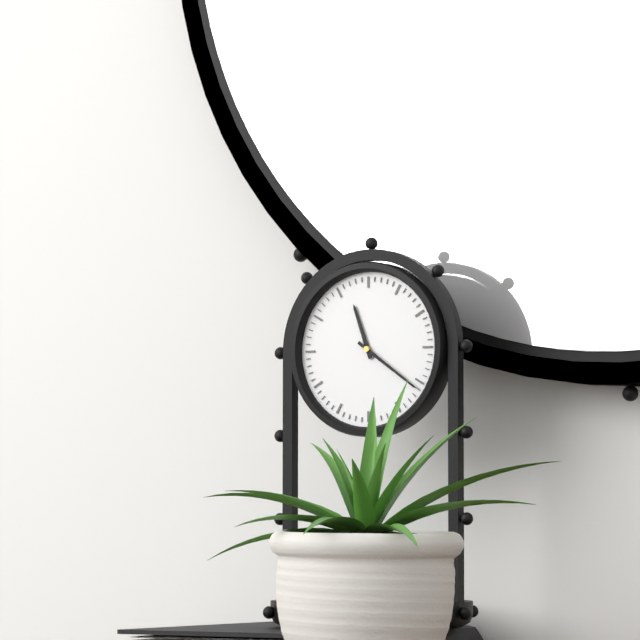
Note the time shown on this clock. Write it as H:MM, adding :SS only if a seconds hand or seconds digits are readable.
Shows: 11:21
